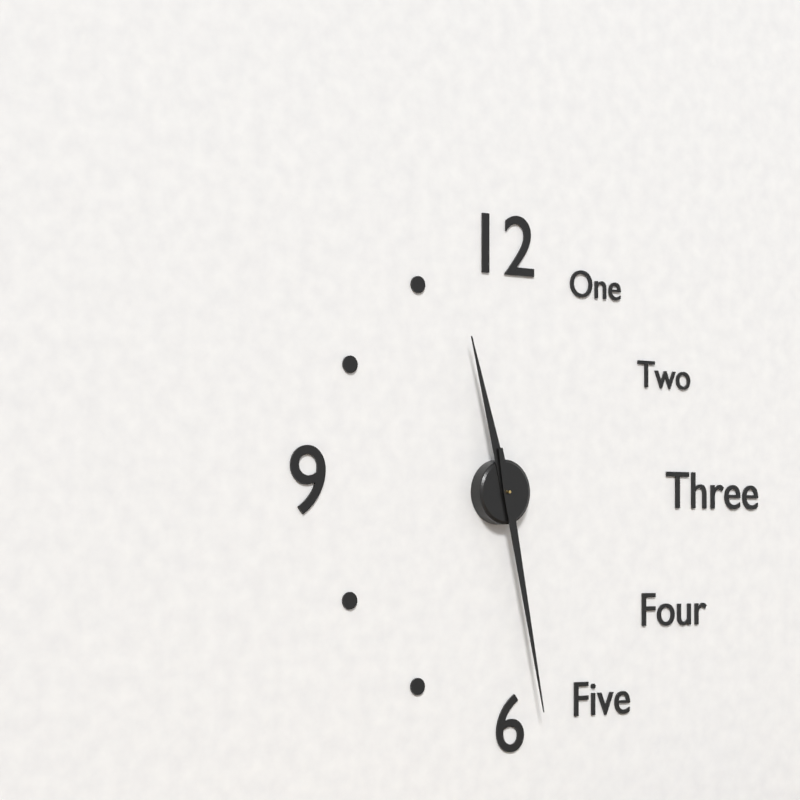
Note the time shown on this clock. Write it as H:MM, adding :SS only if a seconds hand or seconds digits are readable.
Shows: 11:28
